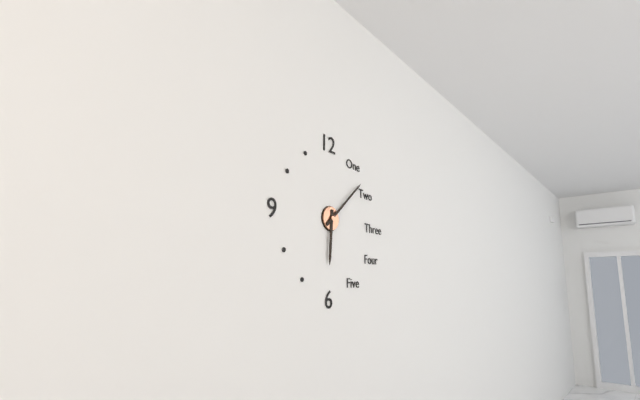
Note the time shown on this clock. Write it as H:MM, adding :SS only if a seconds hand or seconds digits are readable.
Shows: 6:08
